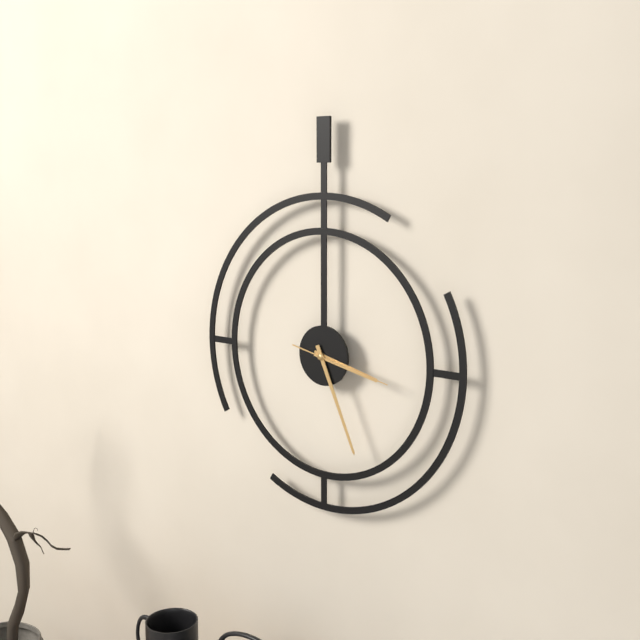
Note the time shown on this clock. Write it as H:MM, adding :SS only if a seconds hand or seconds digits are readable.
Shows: 3:26:17
